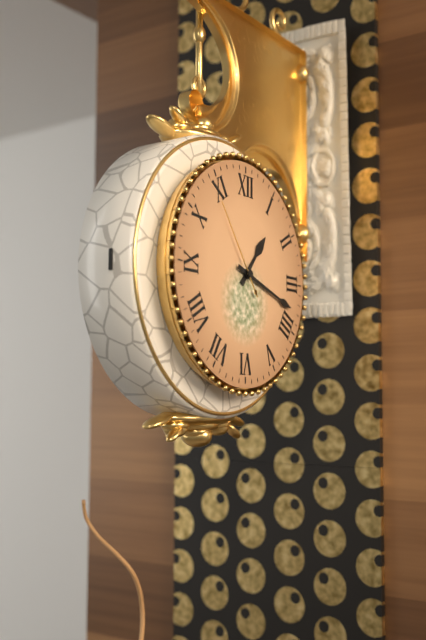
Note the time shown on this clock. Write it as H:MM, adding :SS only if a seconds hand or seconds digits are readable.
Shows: 1:18:54
